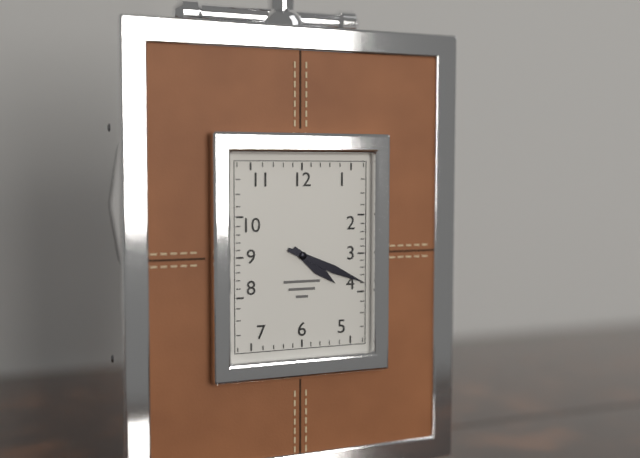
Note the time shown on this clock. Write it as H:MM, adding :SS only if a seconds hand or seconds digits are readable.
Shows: 4:19
